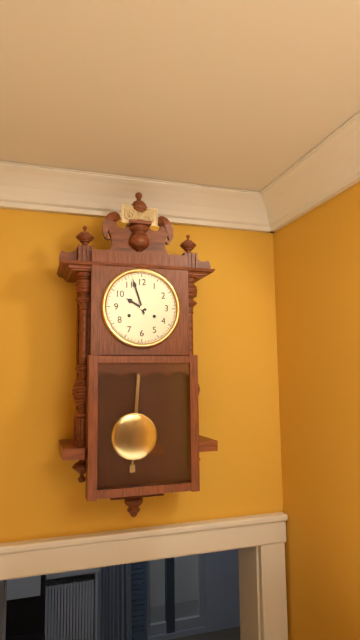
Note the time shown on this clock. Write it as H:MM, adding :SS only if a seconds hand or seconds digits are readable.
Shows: 9:57
